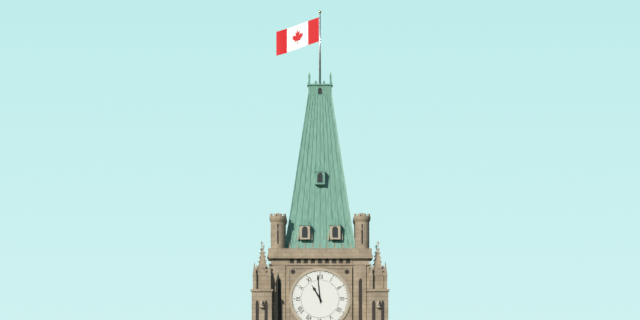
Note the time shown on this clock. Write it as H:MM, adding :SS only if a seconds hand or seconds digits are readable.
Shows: 10:59
